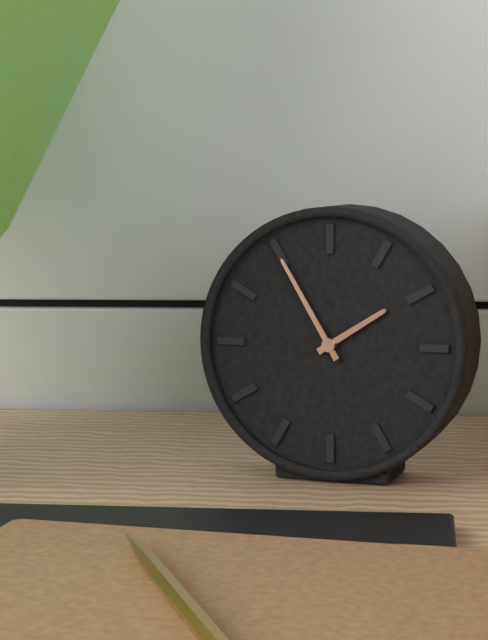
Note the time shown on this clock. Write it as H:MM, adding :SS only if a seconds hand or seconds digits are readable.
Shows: 1:55
